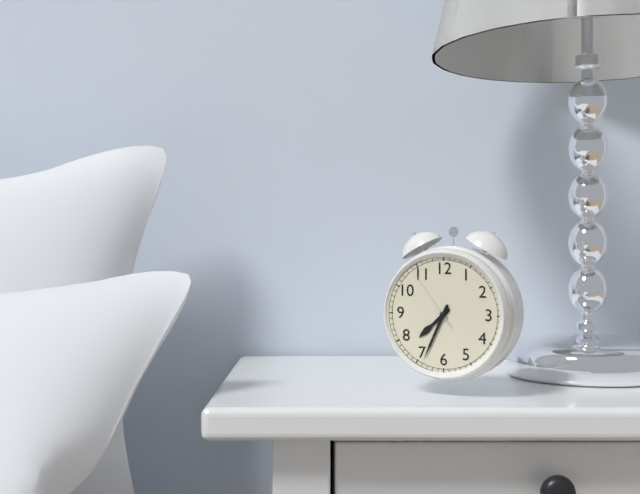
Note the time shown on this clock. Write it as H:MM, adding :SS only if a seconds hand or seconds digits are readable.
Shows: 7:34:54
